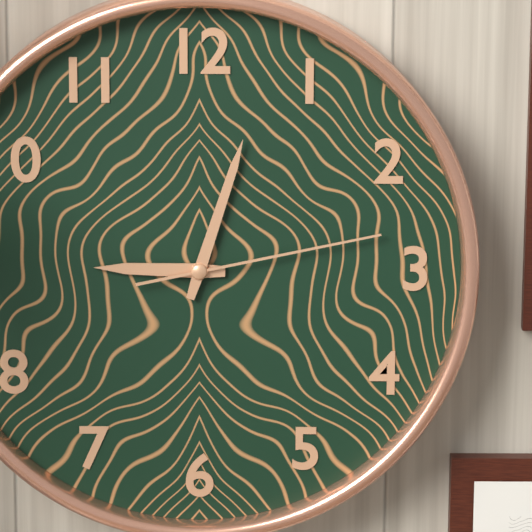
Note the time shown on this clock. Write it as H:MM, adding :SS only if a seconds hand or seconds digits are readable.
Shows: 9:03:13
